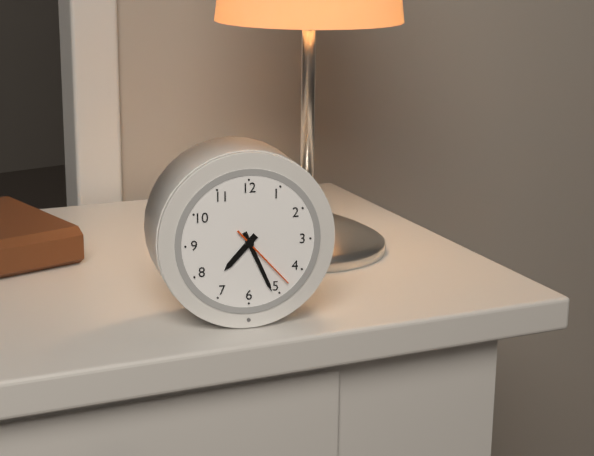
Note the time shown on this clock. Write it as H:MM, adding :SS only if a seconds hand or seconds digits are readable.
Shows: 7:26:23
